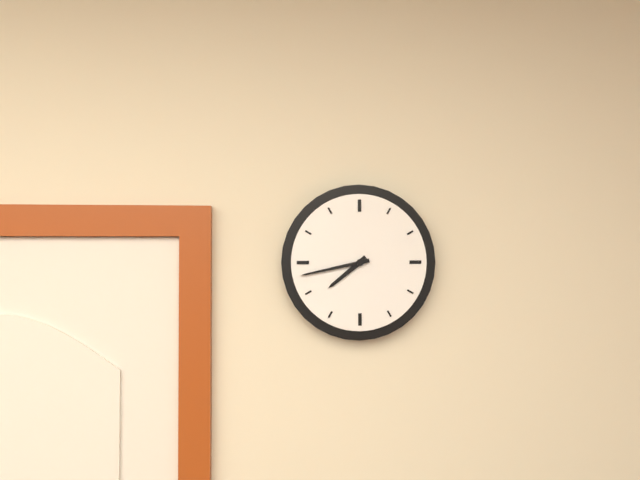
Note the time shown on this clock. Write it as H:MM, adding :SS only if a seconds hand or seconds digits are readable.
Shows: 7:43
